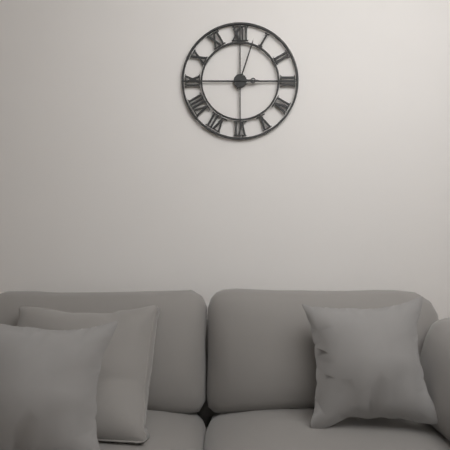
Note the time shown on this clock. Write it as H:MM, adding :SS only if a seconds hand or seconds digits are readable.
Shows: 3:03
